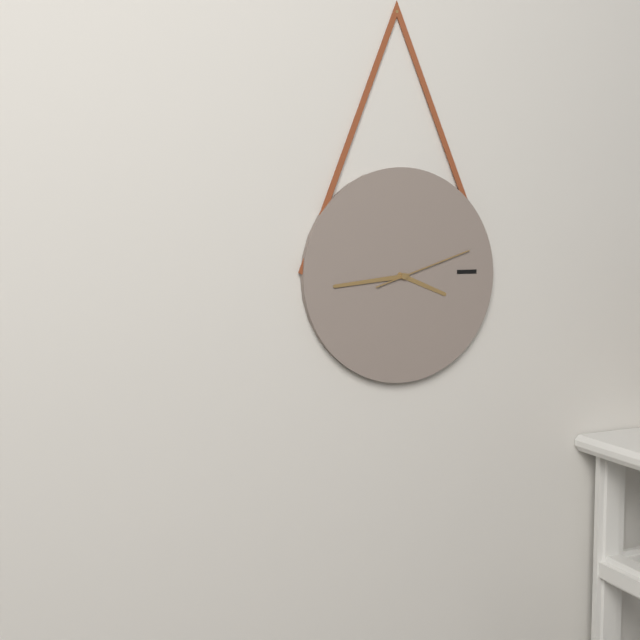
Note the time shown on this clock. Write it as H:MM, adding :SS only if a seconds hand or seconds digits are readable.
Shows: 3:44:12
